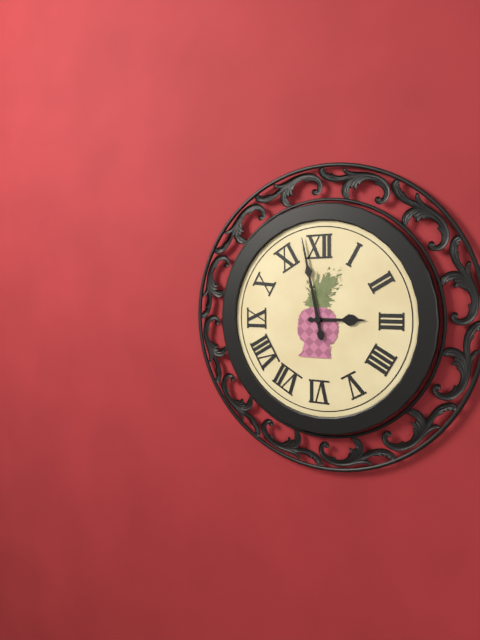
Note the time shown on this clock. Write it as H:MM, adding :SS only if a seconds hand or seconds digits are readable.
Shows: 2:58
